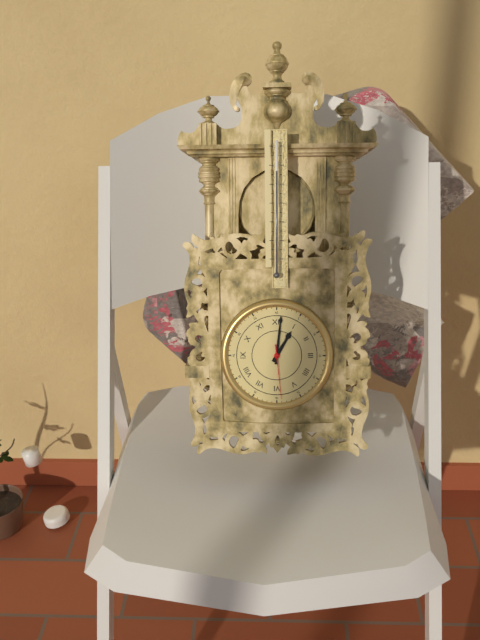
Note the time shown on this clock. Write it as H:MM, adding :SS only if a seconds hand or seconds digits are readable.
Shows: 1:01:29
